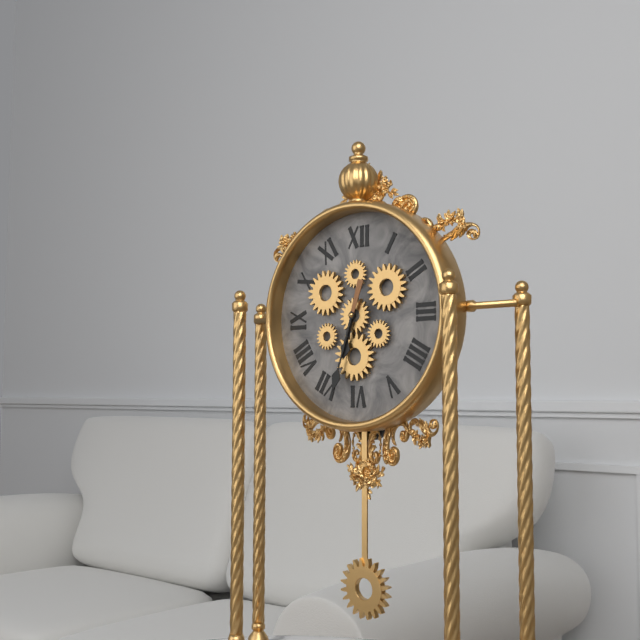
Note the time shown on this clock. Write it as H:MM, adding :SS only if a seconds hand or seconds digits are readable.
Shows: 6:33
